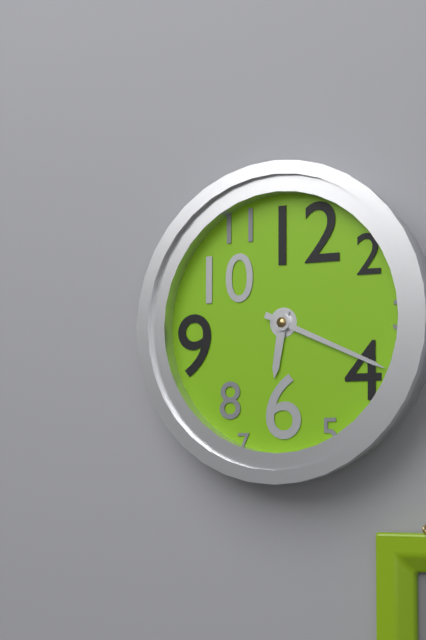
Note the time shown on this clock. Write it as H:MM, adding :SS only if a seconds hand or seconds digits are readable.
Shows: 6:19
